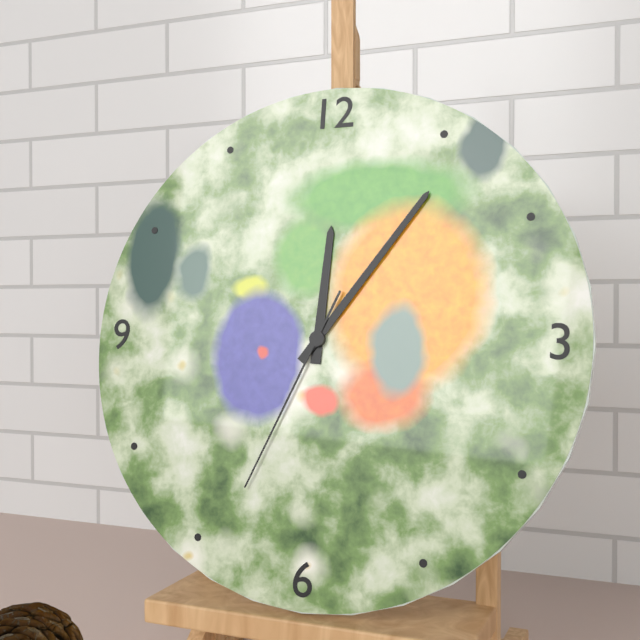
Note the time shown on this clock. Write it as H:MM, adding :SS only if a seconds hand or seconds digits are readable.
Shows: 12:06:34
